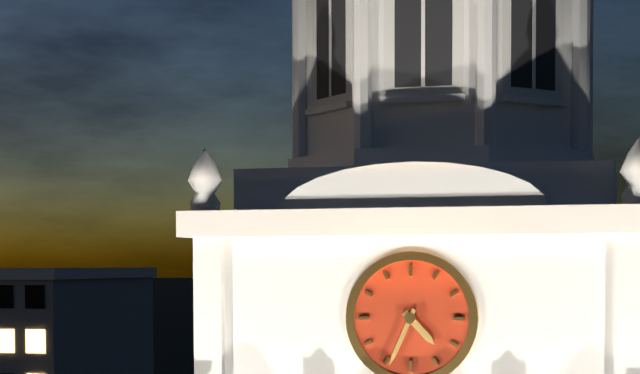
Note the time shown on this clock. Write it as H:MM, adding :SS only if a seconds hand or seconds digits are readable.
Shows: 4:34
